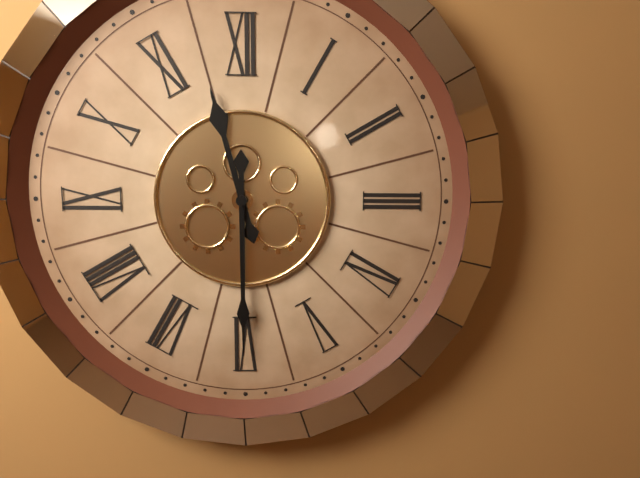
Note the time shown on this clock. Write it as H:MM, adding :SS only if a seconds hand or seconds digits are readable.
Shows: 11:30
